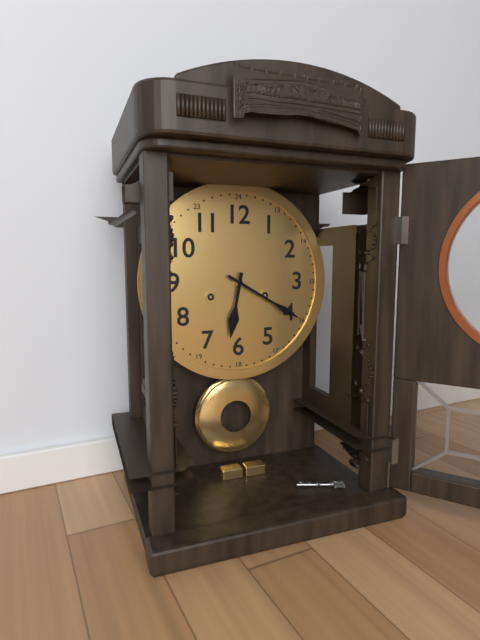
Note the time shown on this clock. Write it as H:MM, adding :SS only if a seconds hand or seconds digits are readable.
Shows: 6:20
